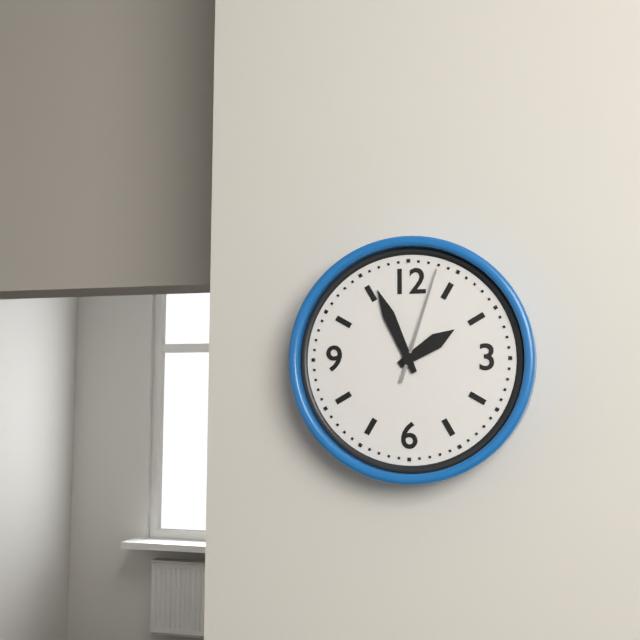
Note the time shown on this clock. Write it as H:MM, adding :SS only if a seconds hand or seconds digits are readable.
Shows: 1:56:03
